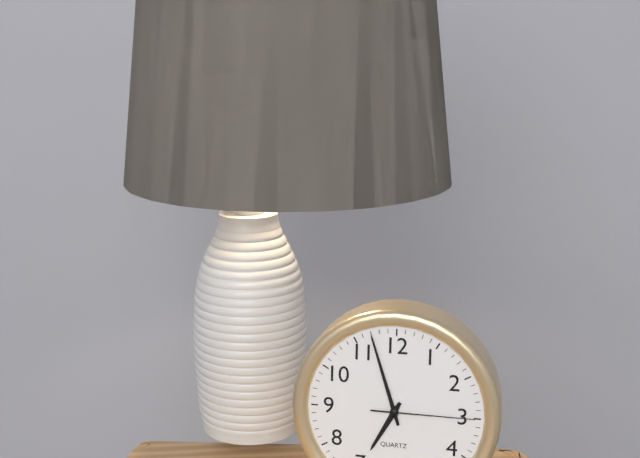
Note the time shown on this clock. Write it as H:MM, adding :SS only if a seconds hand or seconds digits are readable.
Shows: 6:57:15
